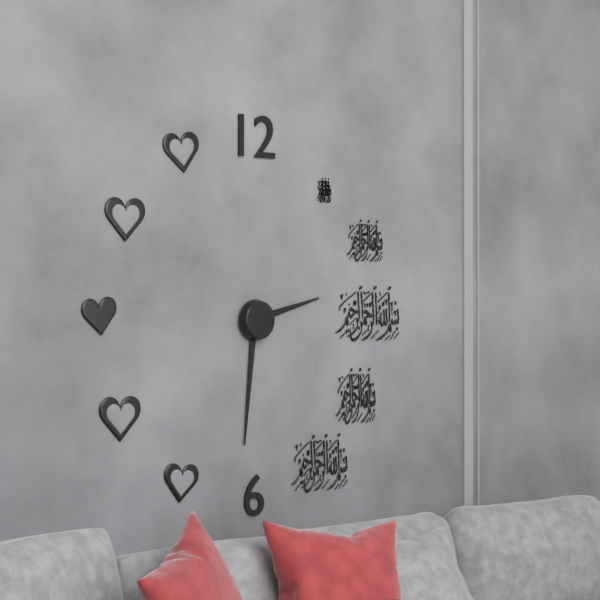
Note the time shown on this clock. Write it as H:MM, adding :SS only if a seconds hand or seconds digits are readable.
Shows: 2:31
